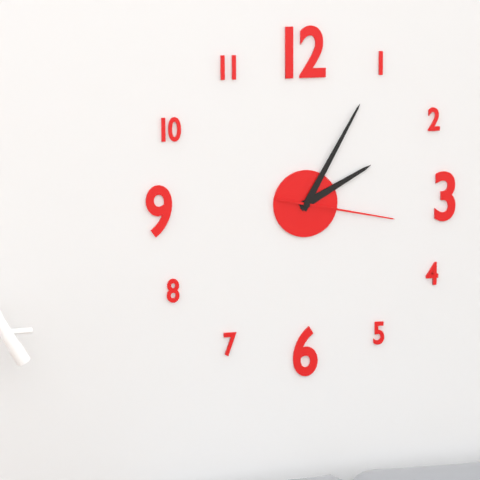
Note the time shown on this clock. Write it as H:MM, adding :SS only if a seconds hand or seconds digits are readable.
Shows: 2:05:17
